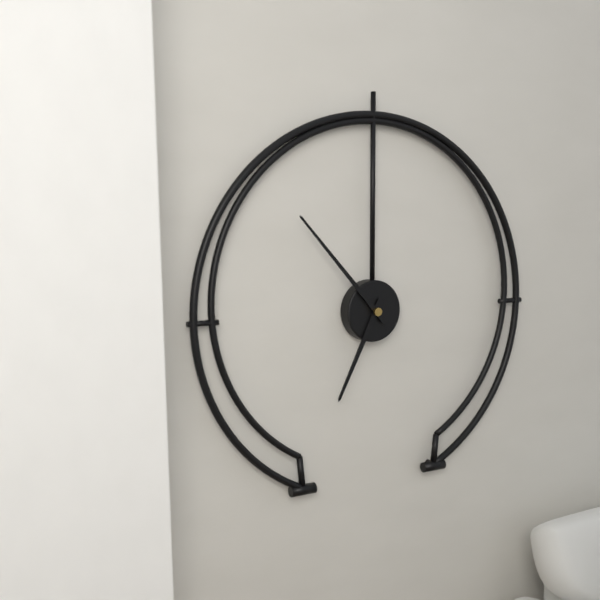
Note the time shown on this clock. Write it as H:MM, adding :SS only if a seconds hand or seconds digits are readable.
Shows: 6:53
